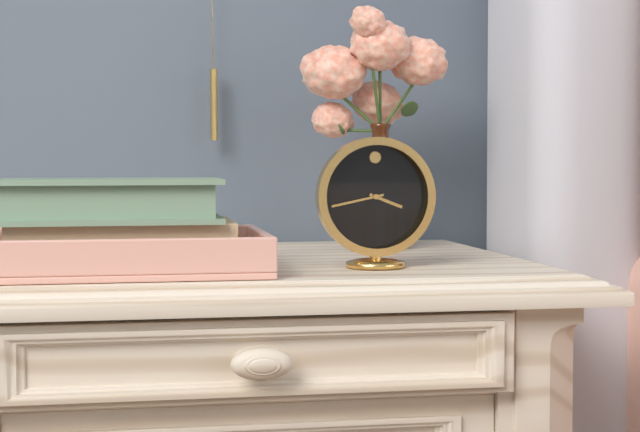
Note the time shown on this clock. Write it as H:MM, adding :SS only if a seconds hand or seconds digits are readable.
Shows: 3:43
